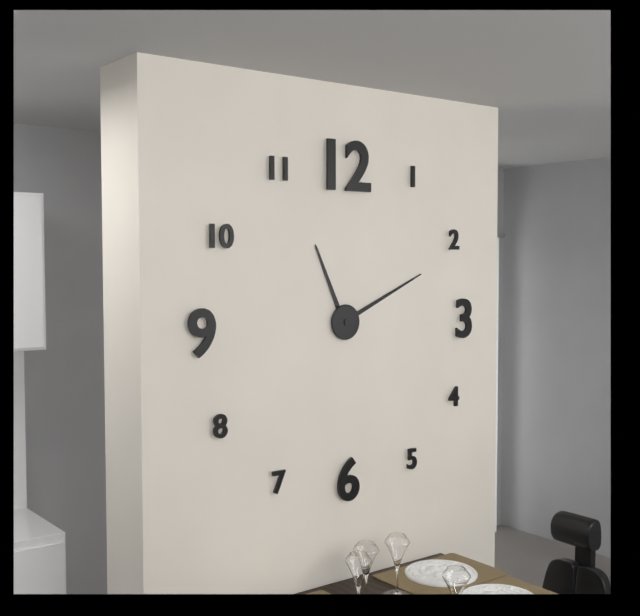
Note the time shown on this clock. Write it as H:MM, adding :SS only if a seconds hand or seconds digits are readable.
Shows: 11:11
